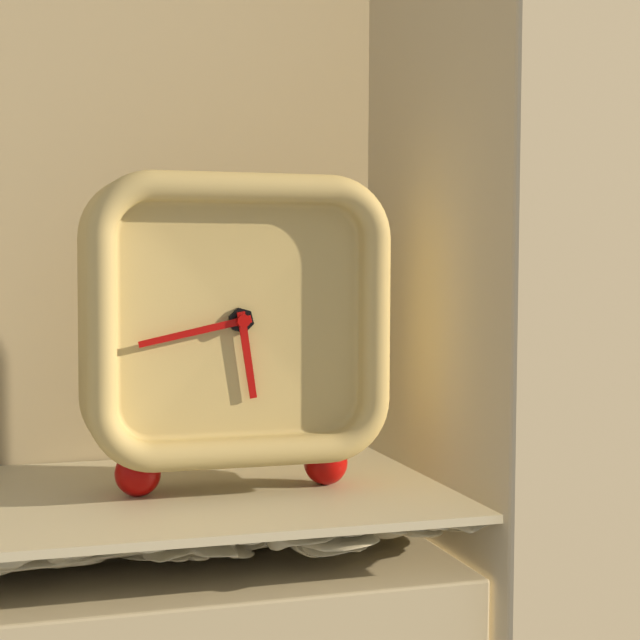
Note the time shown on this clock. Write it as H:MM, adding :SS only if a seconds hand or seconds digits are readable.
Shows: 5:43
